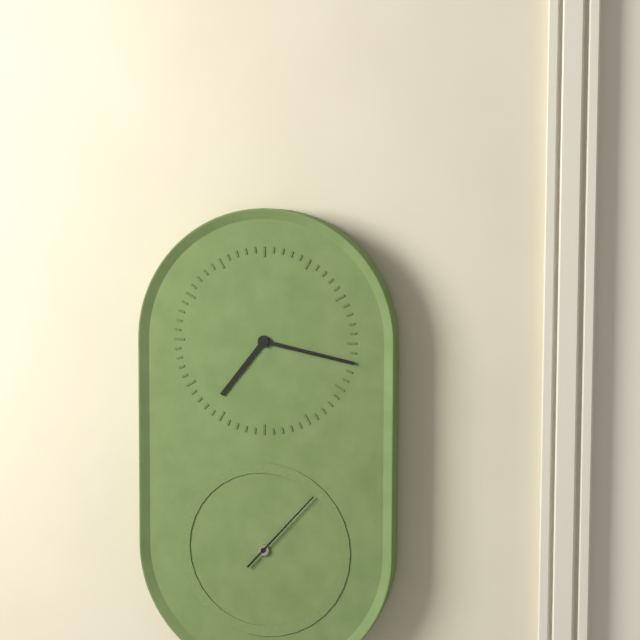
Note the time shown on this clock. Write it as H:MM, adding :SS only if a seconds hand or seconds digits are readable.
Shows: 7:17:07
